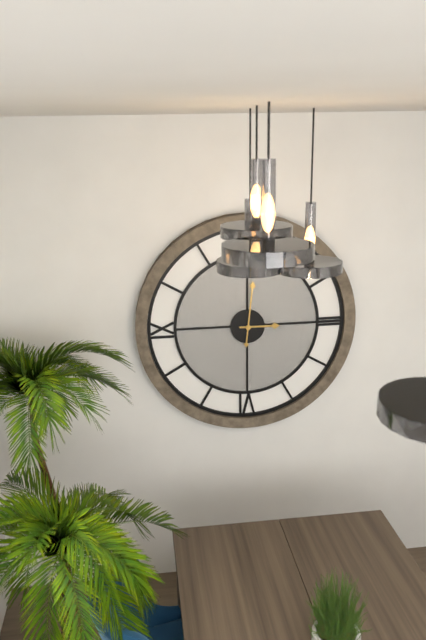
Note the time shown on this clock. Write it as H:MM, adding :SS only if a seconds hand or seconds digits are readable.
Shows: 3:01
